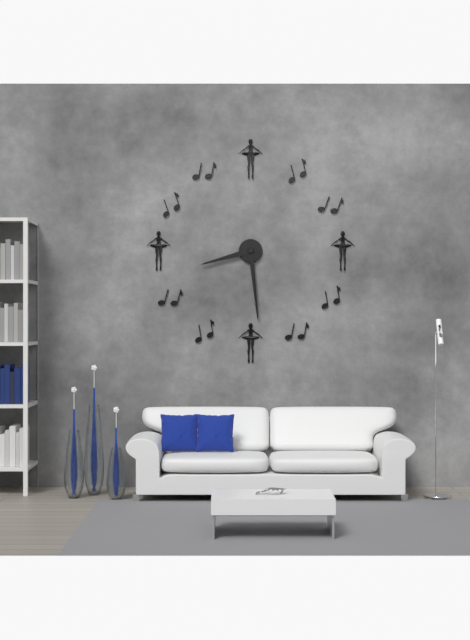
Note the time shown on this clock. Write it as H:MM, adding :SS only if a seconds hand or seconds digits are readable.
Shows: 8:29
